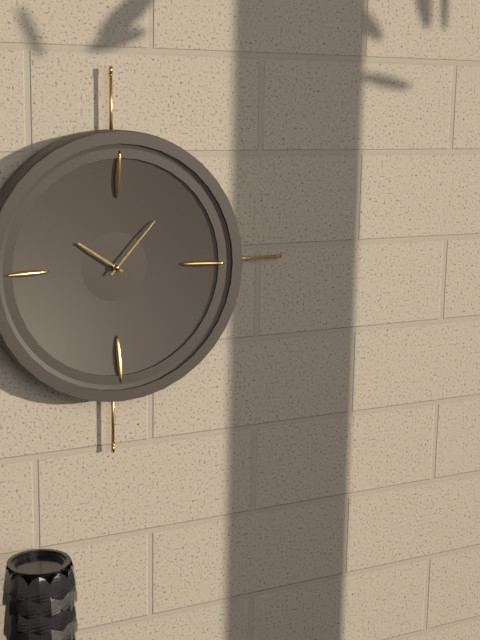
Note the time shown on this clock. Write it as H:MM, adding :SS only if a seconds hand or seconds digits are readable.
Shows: 10:07
